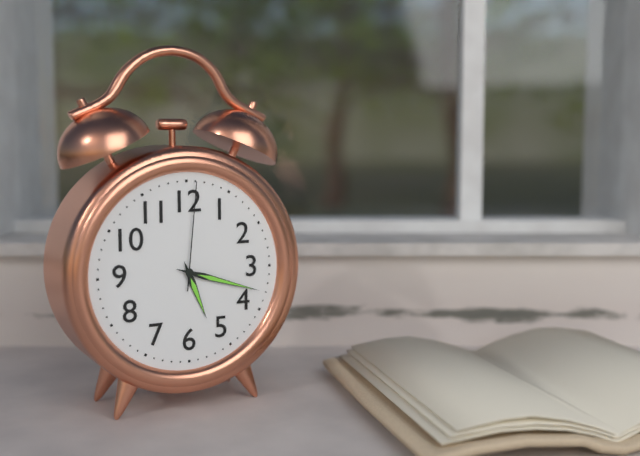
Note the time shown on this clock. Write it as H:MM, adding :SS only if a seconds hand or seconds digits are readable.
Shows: 5:18:01
